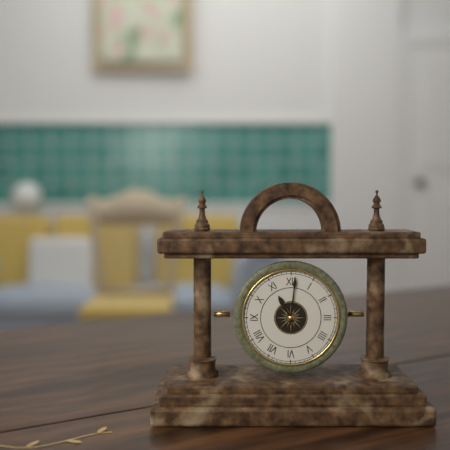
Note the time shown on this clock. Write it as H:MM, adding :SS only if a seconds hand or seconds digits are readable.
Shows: 11:01
